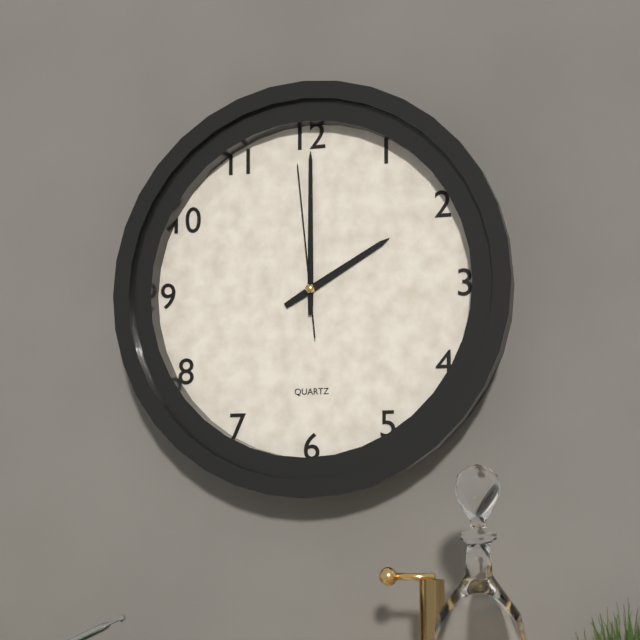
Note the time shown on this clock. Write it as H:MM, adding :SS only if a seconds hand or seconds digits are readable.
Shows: 2:00:59
